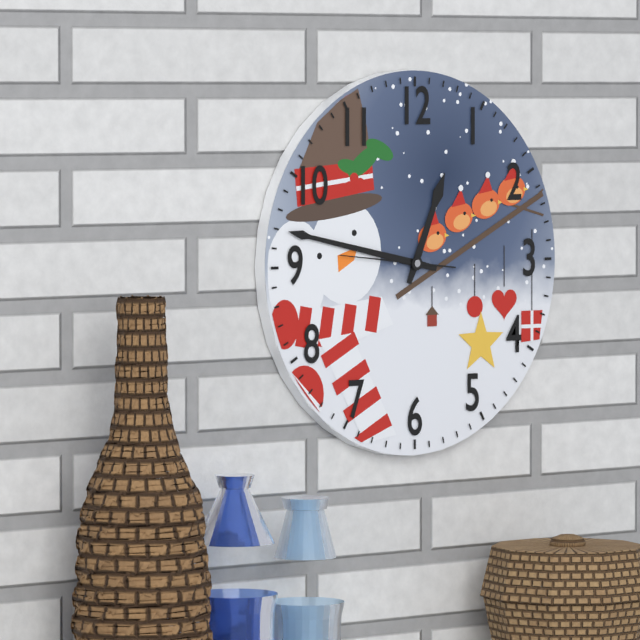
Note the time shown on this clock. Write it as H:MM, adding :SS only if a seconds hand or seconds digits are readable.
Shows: 12:47:46
